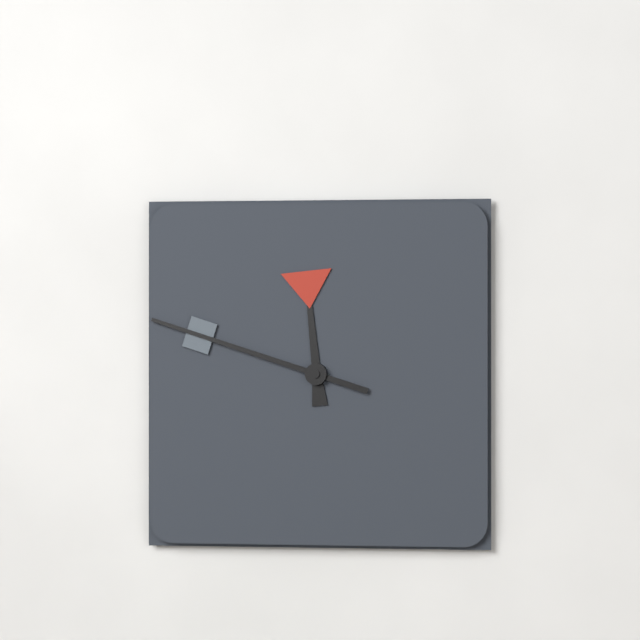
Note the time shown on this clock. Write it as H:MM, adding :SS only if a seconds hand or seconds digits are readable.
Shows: 11:48
